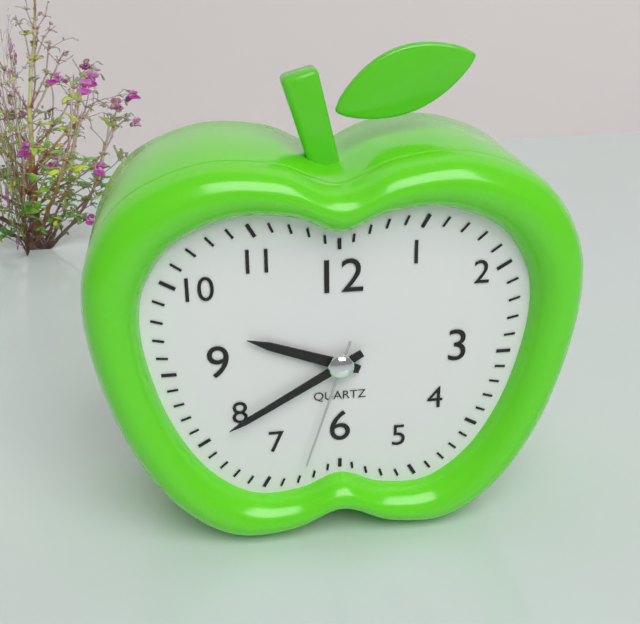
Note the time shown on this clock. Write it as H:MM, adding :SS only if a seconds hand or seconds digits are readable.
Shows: 9:40:33
